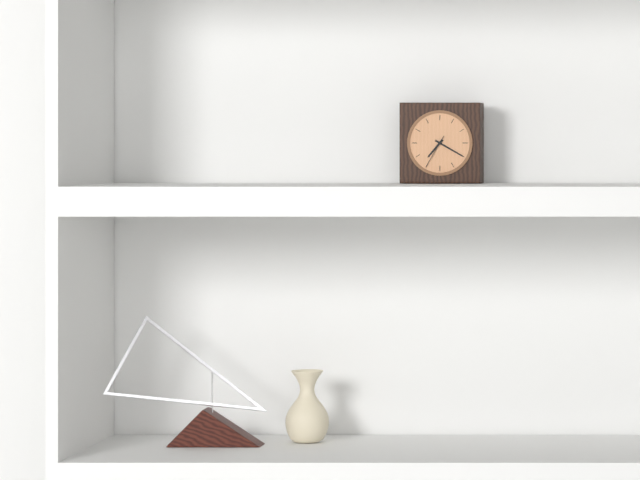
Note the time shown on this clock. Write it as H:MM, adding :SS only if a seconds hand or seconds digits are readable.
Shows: 7:20
